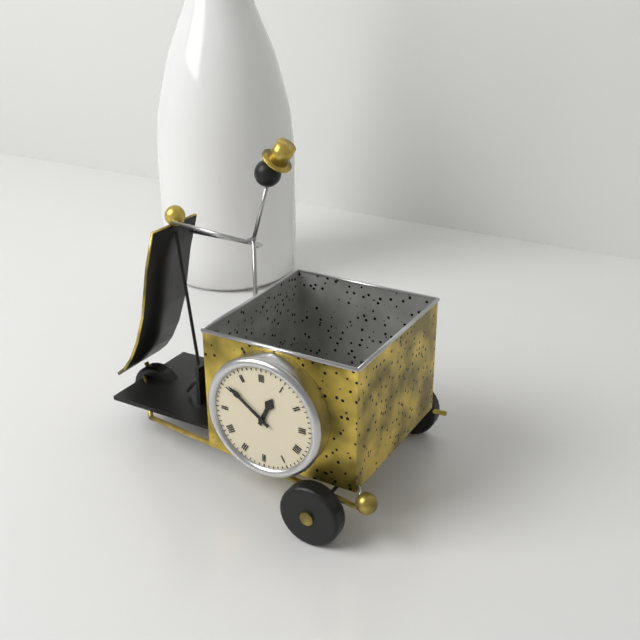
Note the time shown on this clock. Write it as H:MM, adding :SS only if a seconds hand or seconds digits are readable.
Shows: 12:51
